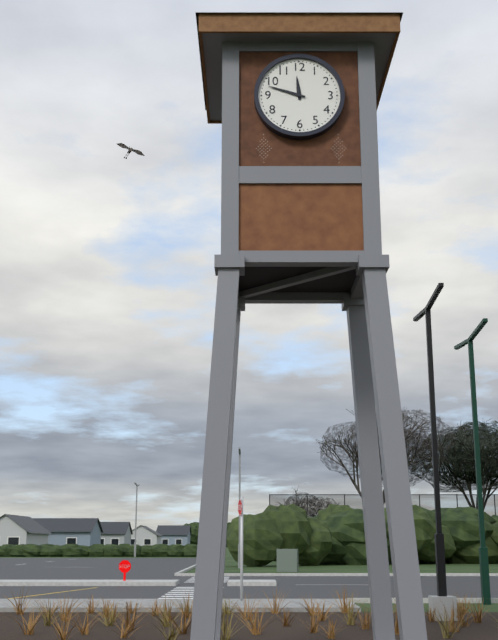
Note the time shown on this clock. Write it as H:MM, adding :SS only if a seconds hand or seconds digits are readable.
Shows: 11:48
